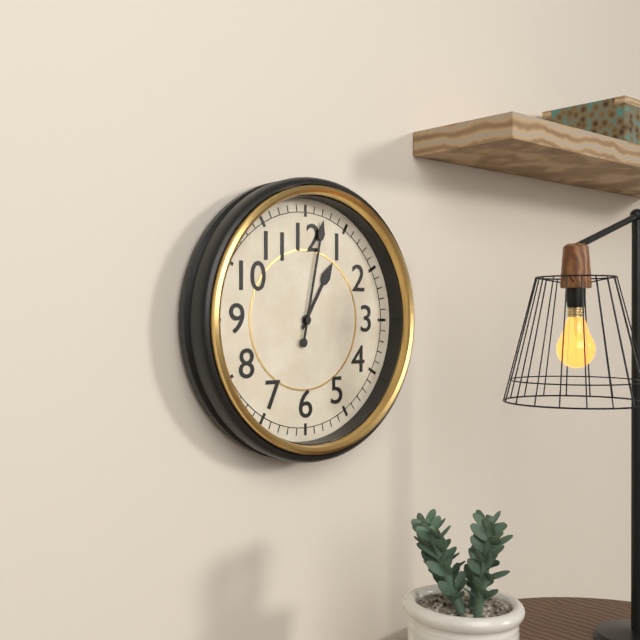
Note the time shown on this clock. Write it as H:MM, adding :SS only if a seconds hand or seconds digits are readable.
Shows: 1:02
